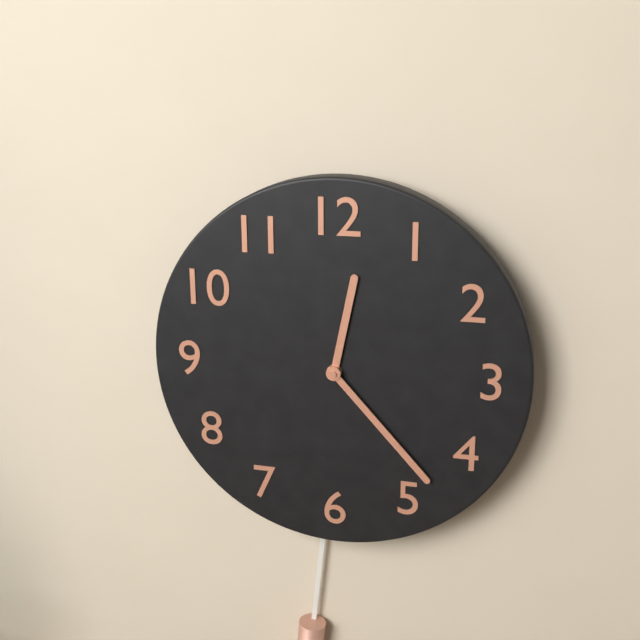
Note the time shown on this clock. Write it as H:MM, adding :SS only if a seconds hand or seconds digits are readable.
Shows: 12:23
